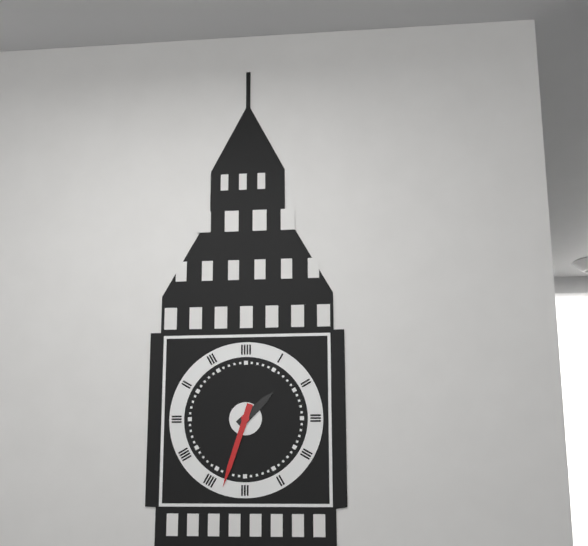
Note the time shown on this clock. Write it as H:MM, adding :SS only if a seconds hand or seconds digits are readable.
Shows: 1:33
